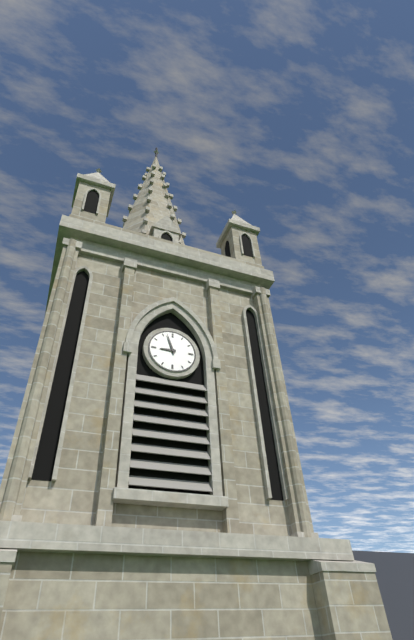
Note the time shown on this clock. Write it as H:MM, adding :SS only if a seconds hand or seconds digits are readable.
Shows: 8:57
